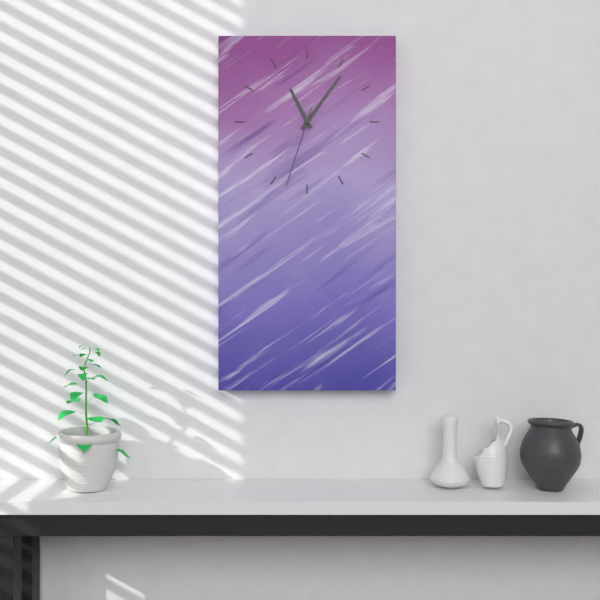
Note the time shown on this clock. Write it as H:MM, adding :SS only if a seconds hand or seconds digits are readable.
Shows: 11:06:33
